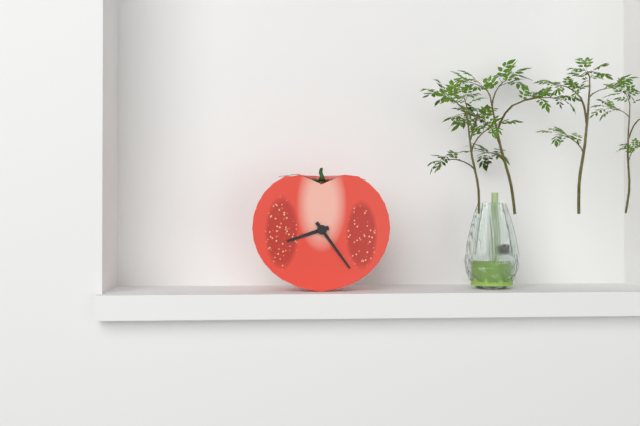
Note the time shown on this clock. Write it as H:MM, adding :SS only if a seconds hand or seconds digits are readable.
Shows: 8:24
